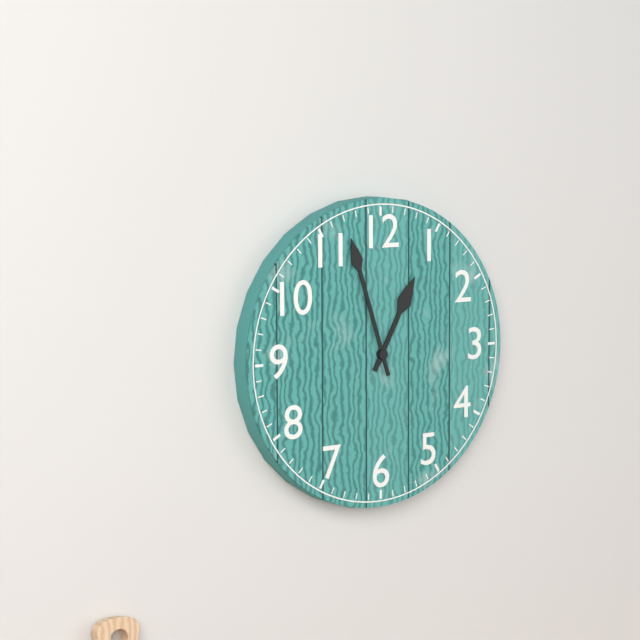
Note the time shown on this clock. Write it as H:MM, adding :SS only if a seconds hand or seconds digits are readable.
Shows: 12:57
